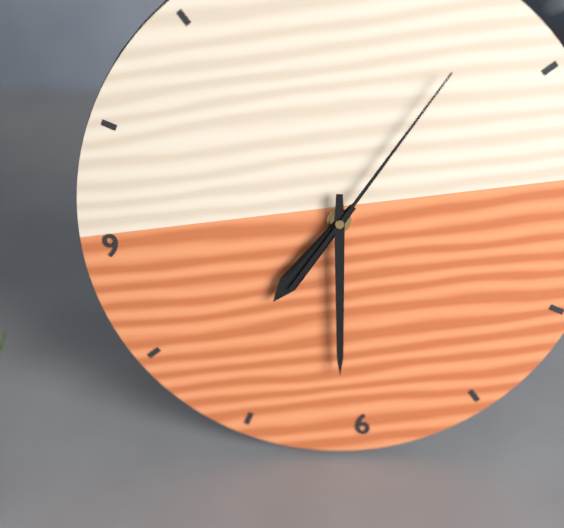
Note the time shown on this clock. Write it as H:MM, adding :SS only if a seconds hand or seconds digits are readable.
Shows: 7:31:07
